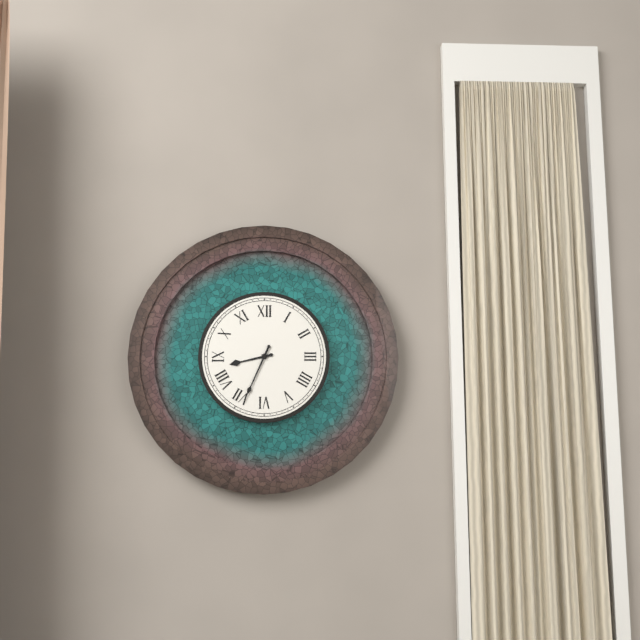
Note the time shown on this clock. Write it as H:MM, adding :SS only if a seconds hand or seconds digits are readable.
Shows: 8:34
